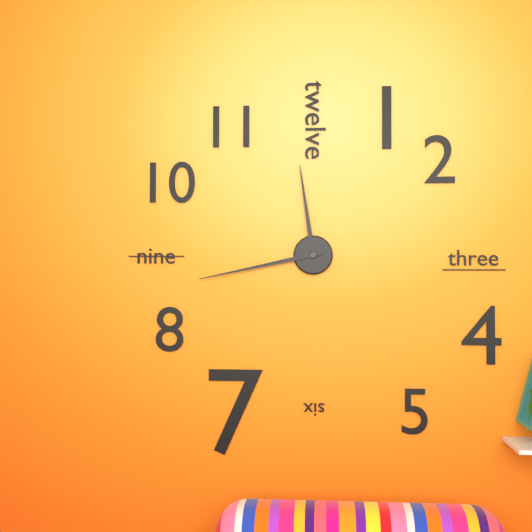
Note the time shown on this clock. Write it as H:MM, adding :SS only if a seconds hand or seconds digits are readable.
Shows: 11:43
